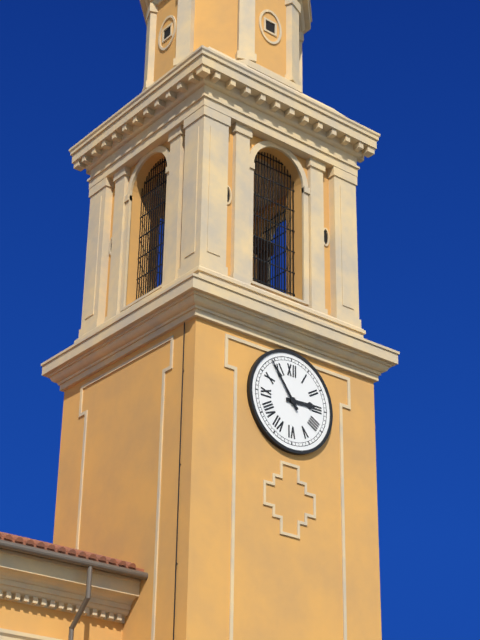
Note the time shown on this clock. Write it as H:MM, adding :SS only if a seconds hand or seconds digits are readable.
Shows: 2:54
